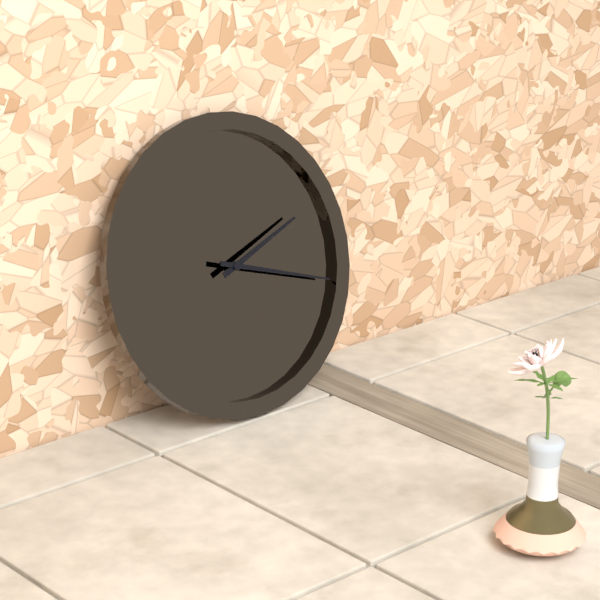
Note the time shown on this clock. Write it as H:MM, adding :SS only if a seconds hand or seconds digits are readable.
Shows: 2:18
